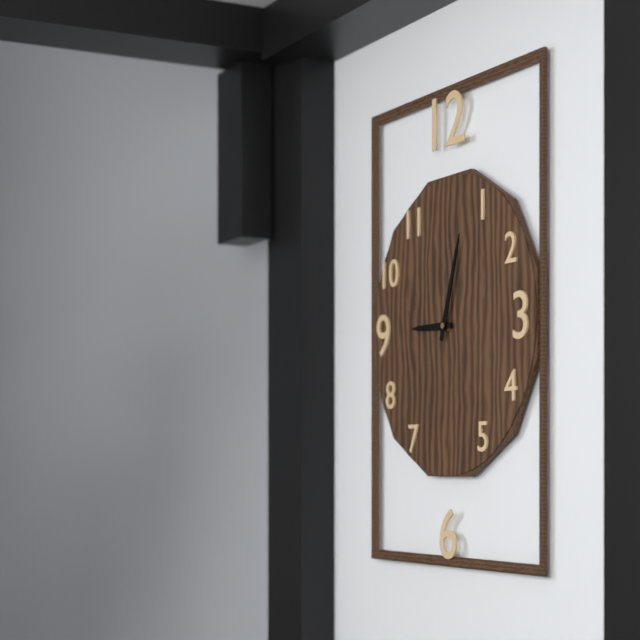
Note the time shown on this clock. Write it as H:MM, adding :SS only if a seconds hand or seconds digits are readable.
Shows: 9:03
